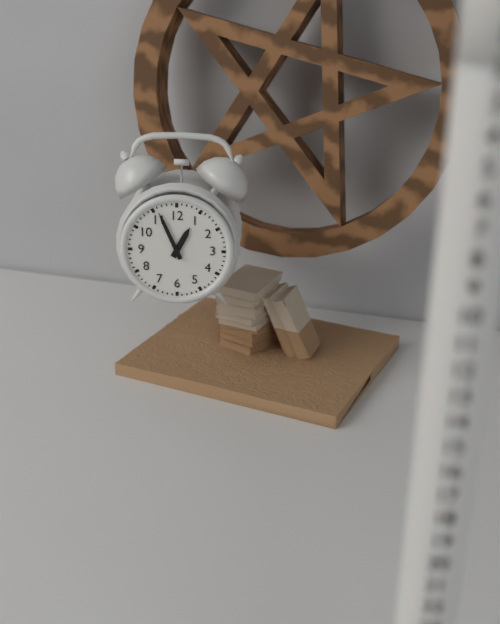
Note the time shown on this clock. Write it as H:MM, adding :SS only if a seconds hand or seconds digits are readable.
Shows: 12:56
